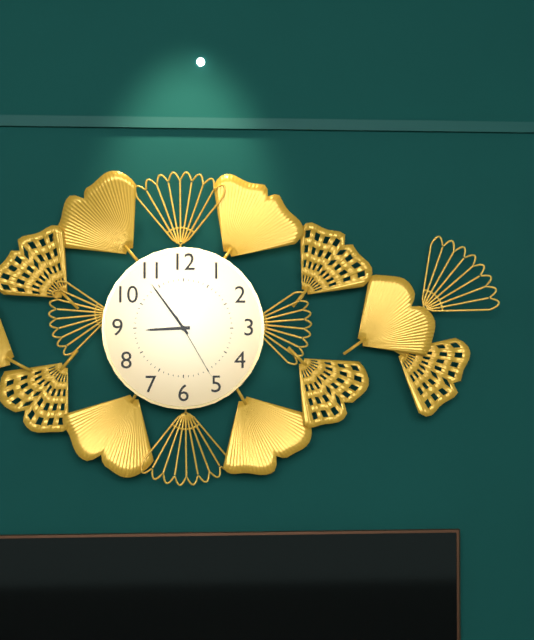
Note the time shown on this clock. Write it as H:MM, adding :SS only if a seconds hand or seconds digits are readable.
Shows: 8:54:25
